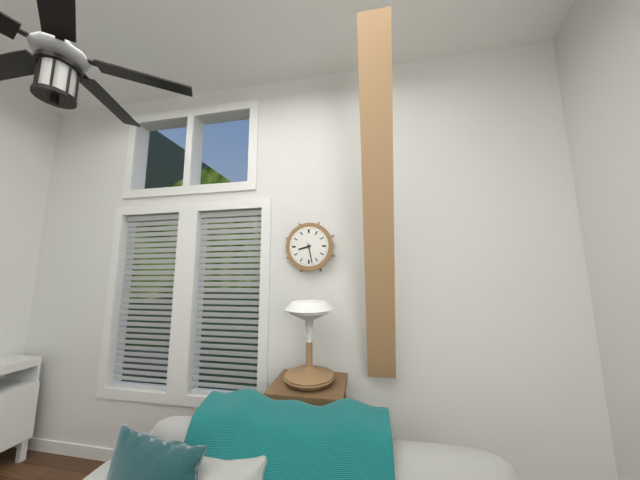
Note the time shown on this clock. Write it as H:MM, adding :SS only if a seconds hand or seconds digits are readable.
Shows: 8:28
